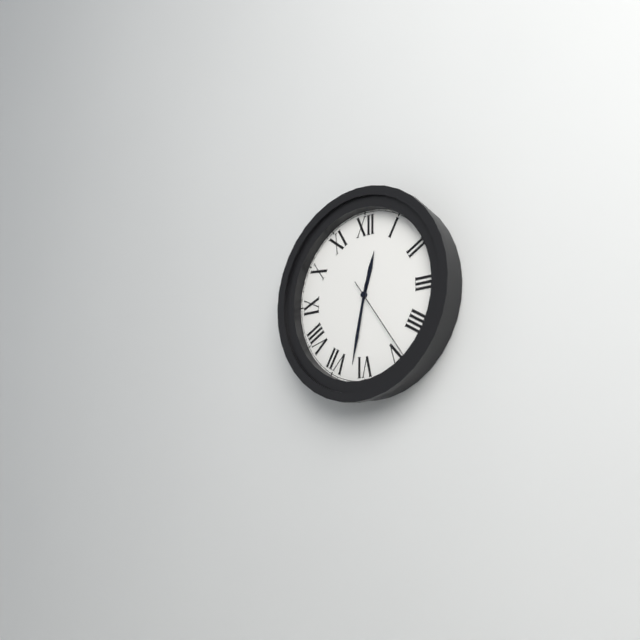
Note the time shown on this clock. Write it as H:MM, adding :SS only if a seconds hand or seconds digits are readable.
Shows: 12:32:24
